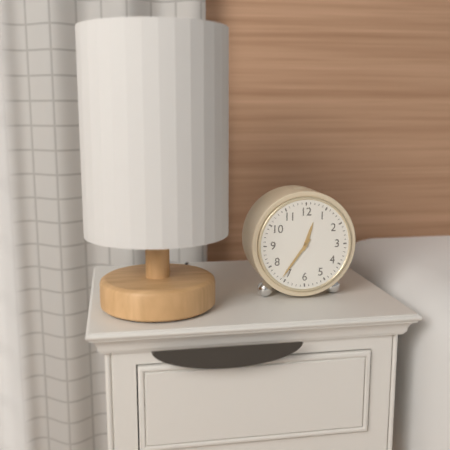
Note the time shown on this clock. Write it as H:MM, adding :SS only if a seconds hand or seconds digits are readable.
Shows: 12:36
